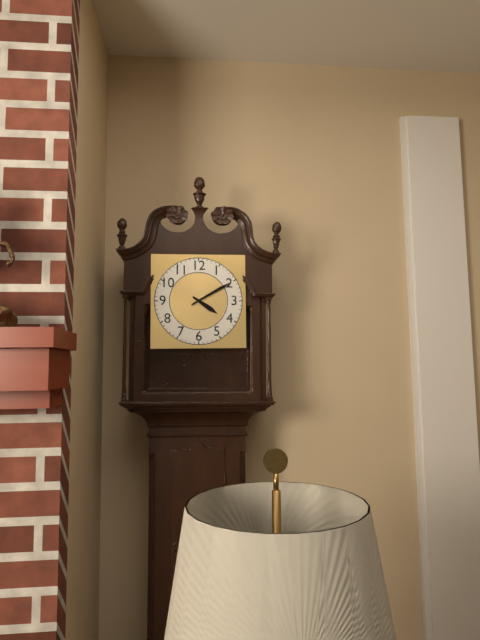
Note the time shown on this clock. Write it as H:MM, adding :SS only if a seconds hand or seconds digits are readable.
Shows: 4:10
